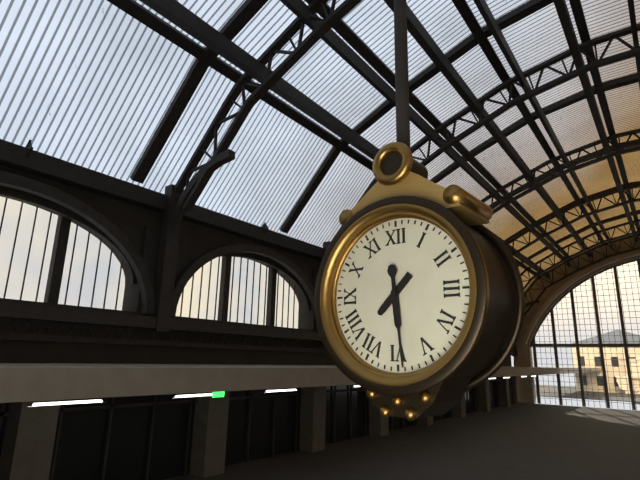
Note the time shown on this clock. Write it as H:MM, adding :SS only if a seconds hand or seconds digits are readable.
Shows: 7:29
